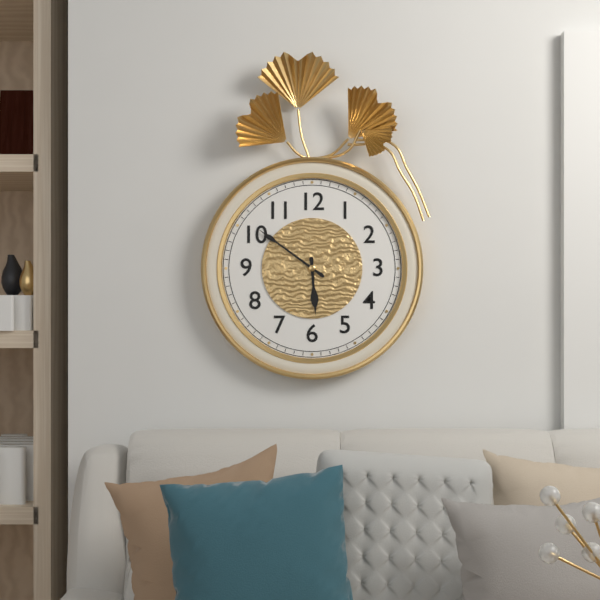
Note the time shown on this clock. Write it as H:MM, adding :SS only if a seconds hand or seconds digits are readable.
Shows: 5:51
